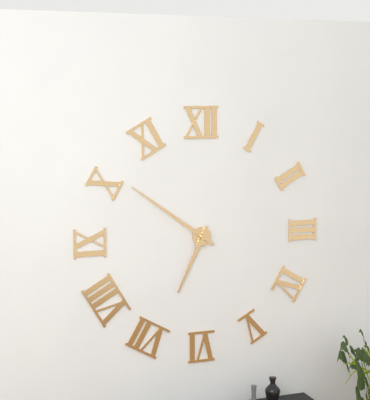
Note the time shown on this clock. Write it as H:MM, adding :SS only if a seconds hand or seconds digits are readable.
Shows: 6:51
